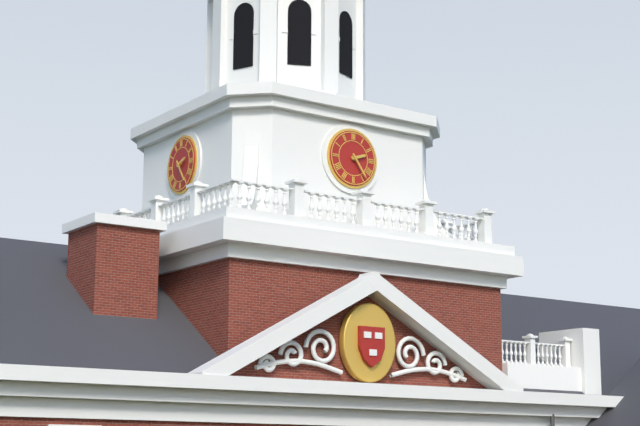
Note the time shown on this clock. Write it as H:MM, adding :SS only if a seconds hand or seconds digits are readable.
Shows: 2:24
